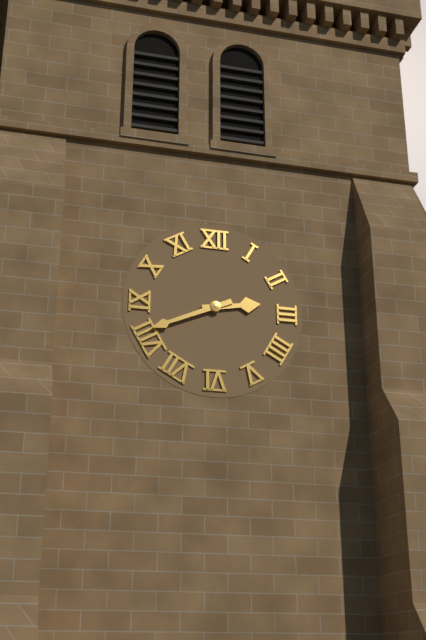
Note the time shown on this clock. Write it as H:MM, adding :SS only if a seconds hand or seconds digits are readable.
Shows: 2:41
